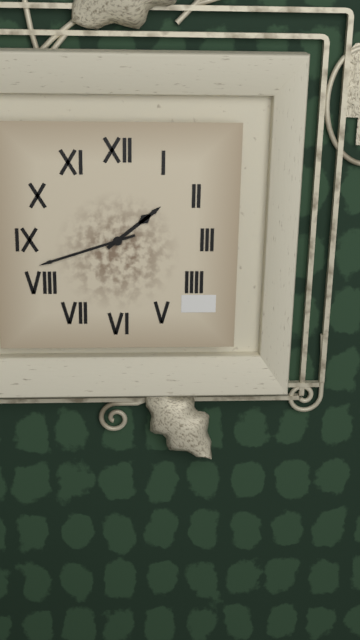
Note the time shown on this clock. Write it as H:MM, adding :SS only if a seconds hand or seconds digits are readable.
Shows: 1:42
